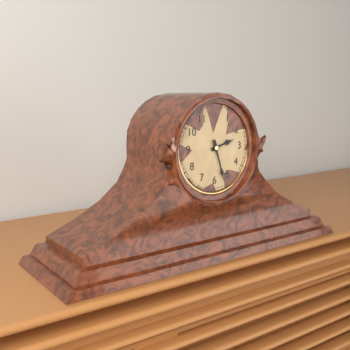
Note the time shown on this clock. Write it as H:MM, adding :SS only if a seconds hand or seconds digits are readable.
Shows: 2:27
